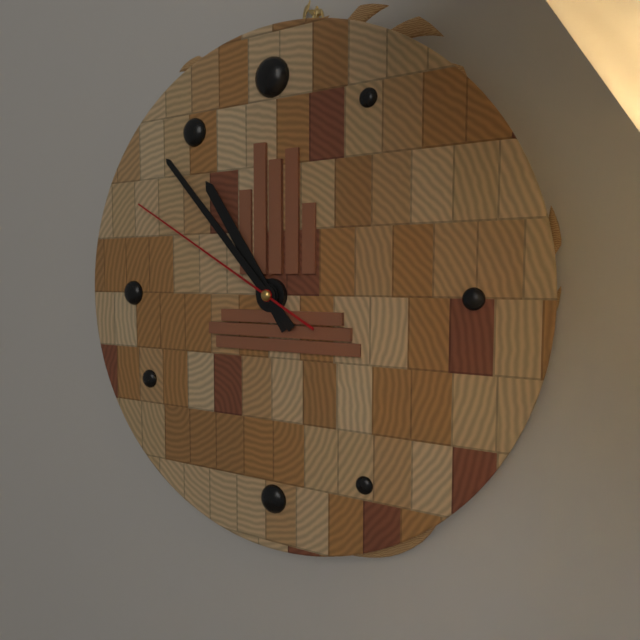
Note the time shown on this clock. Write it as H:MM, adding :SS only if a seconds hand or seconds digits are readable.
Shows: 10:53:50
